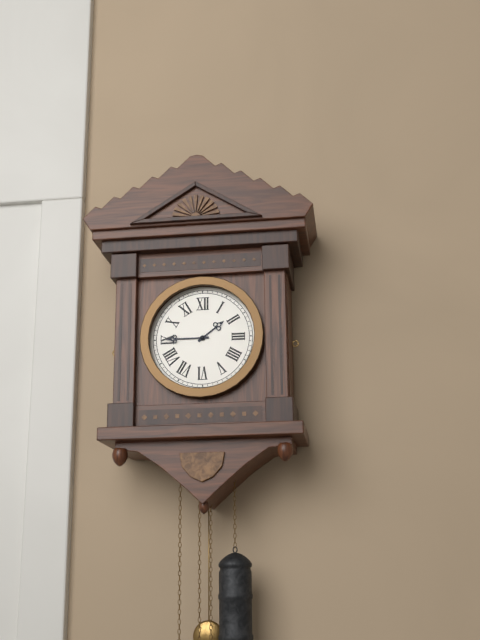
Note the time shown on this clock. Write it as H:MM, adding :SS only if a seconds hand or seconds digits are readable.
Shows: 1:45
